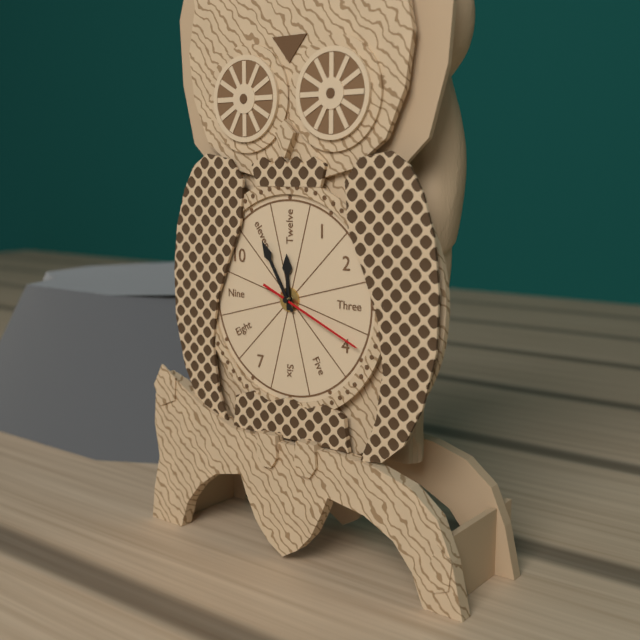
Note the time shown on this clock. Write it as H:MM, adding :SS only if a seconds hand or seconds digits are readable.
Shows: 11:55:19
